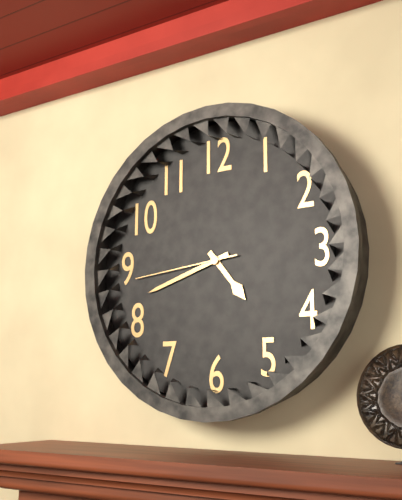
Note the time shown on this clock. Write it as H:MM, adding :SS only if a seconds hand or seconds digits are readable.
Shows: 4:42:44
